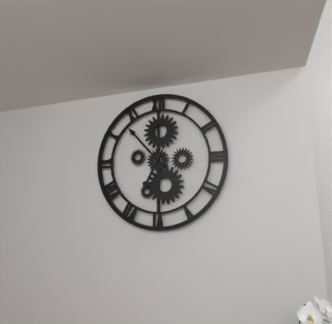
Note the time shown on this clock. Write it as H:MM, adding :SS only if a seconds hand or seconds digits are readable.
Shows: 6:53
